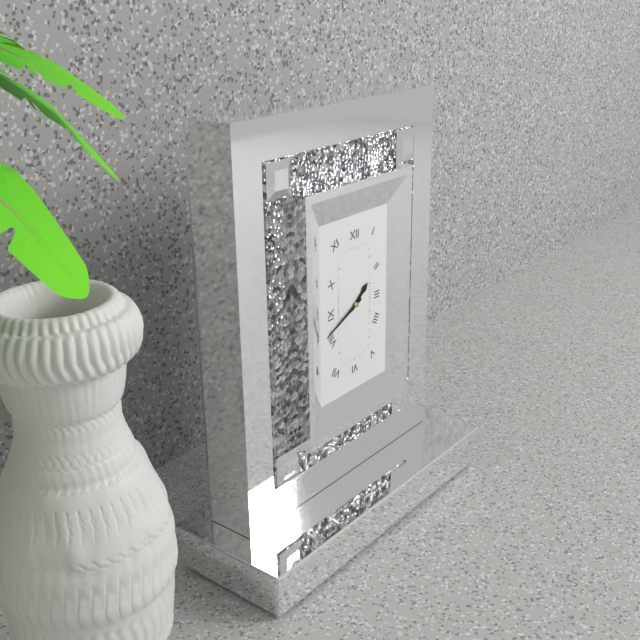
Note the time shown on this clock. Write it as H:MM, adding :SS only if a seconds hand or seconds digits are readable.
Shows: 1:41
